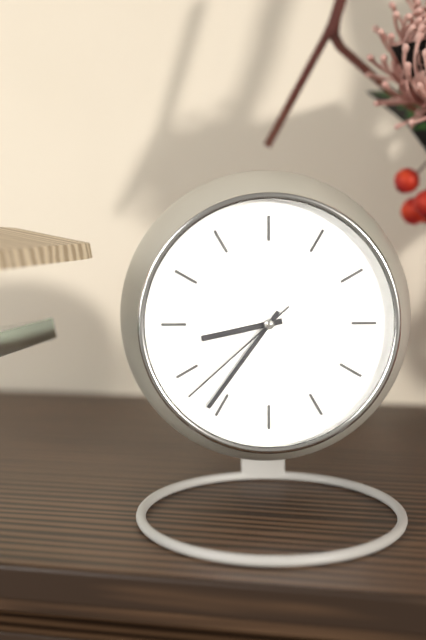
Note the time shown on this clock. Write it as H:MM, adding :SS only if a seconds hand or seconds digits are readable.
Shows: 8:36:38
